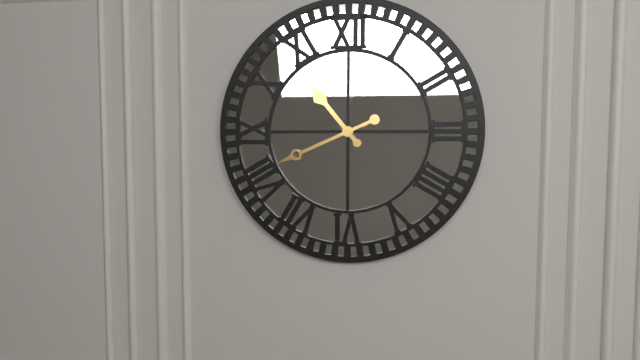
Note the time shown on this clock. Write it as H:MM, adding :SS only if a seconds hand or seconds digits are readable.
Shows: 10:41
